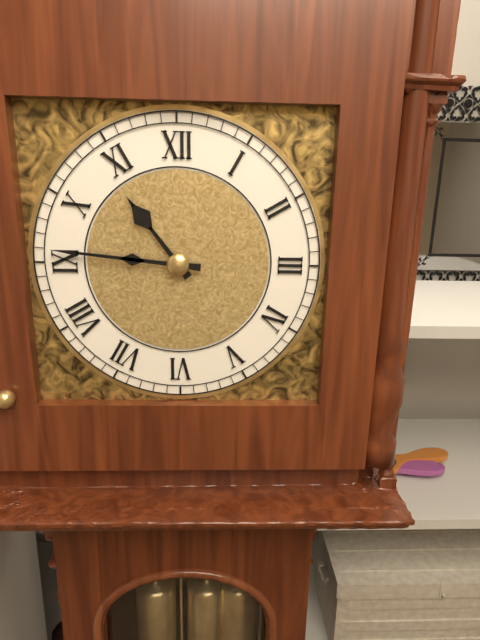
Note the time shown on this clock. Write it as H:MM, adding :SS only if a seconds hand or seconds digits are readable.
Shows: 10:46
